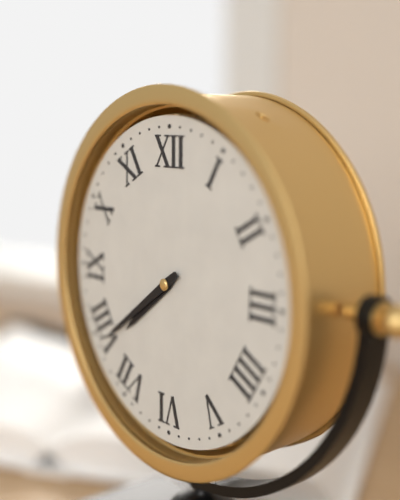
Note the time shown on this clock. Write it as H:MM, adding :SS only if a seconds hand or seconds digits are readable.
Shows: 7:39
